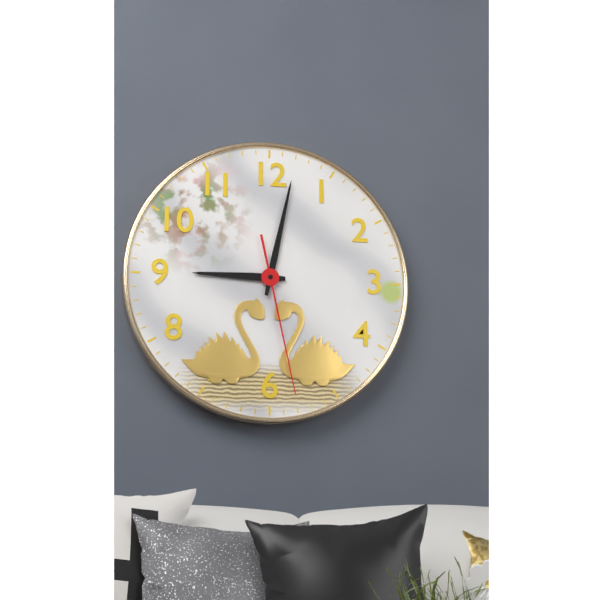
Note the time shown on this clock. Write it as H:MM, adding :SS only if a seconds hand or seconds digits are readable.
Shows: 9:02:28
